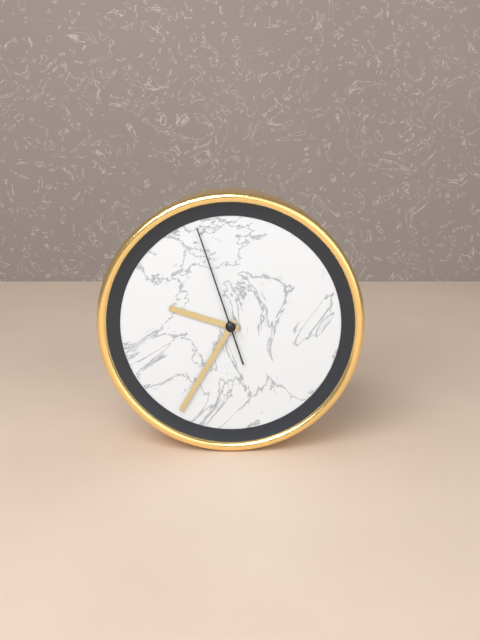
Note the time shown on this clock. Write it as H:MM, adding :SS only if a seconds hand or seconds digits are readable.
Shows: 9:35:57
